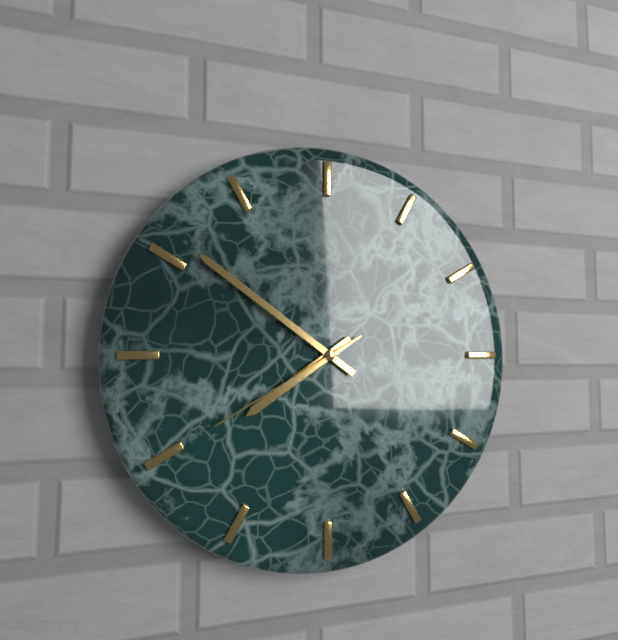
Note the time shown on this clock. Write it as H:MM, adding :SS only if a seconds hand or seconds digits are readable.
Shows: 7:51:40
